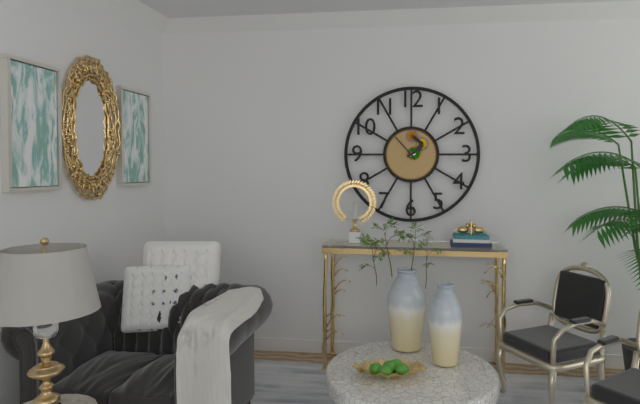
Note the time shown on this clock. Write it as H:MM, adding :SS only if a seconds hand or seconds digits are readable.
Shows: 1:53
